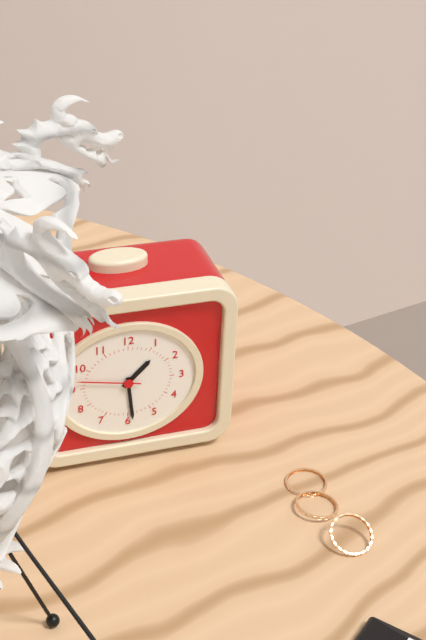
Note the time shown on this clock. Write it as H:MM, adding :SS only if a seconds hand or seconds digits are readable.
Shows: 1:29:47
